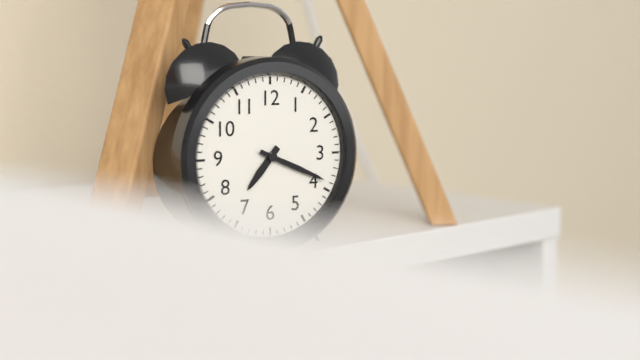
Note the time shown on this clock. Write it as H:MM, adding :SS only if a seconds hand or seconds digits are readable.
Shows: 7:19
